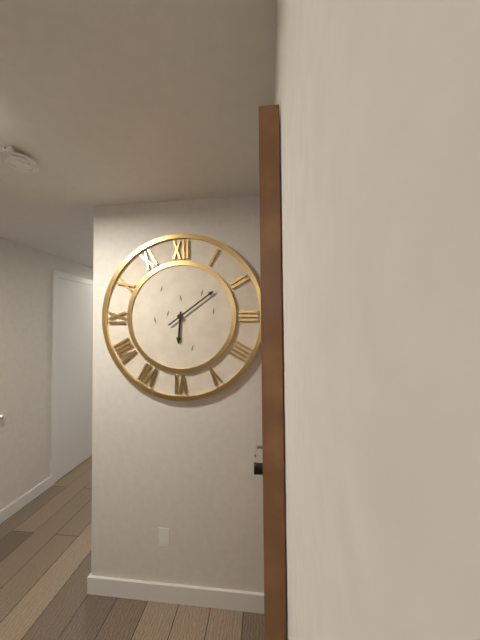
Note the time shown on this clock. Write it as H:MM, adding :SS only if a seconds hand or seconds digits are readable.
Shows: 6:09
